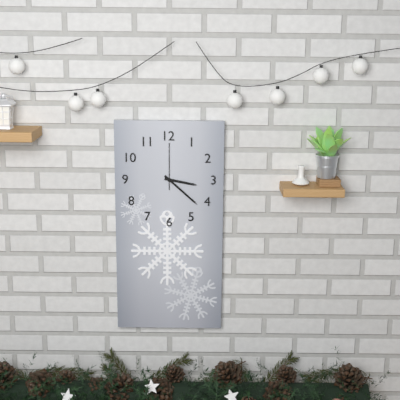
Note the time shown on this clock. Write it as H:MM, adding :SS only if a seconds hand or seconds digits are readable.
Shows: 3:22
